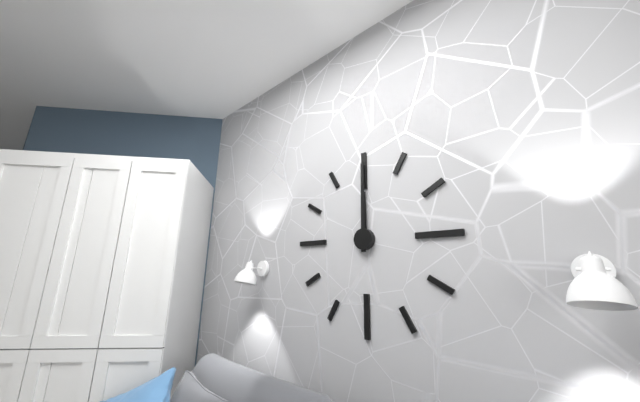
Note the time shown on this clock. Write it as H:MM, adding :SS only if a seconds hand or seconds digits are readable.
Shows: 12:00
